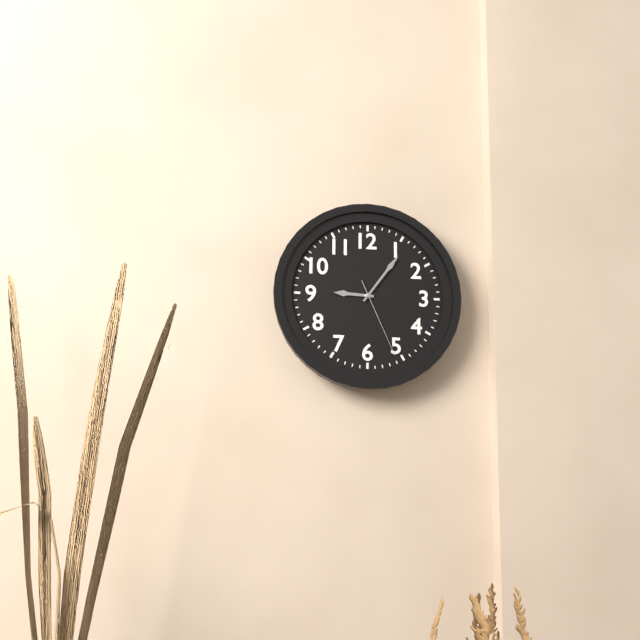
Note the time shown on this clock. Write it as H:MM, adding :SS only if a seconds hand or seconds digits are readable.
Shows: 9:06:26
